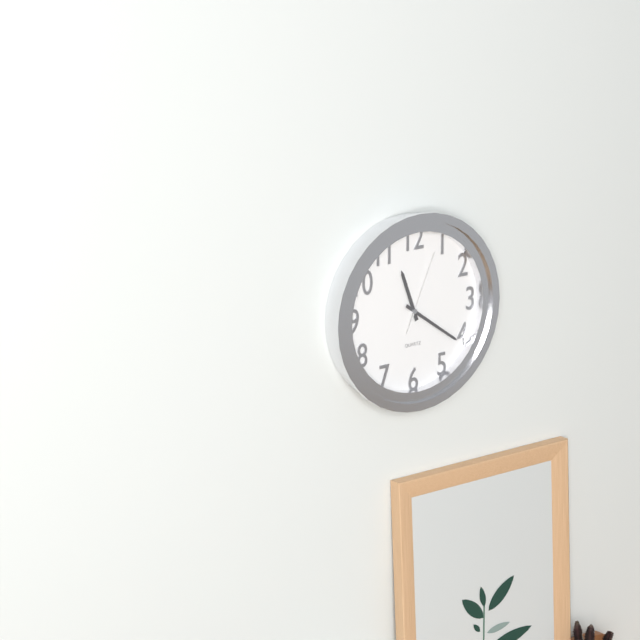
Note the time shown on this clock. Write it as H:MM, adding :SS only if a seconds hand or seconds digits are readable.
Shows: 11:21:04
